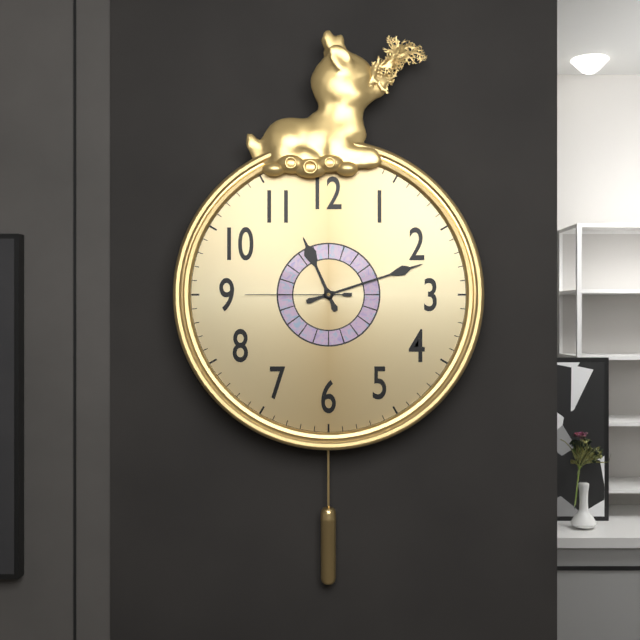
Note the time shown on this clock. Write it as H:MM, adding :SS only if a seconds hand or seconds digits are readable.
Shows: 11:12:45
